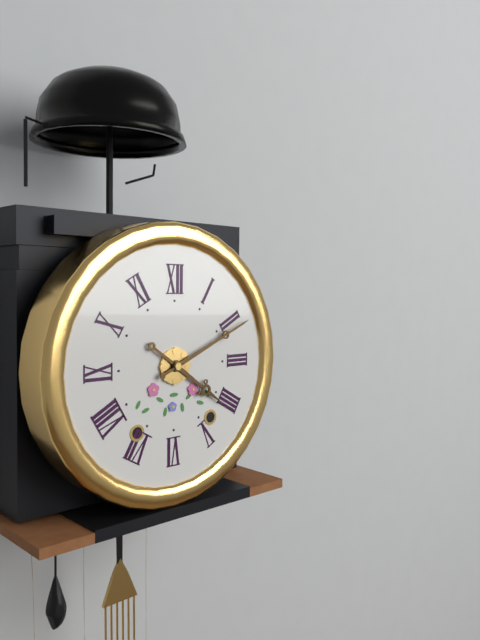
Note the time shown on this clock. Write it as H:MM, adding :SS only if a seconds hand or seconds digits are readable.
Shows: 4:11
